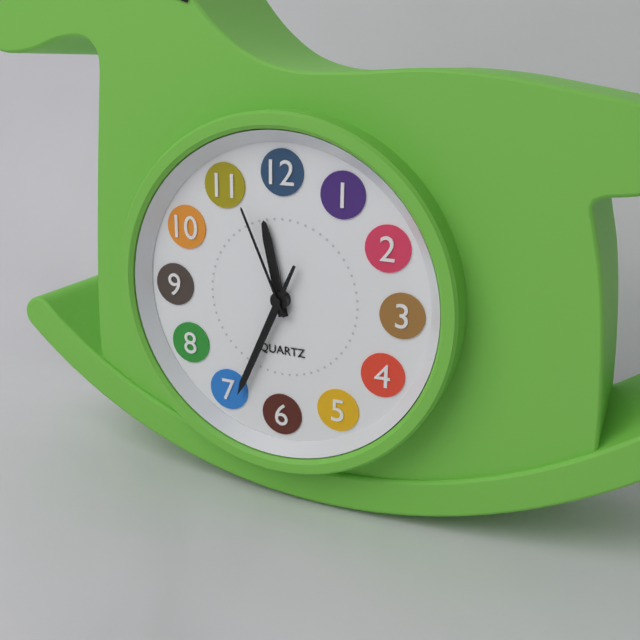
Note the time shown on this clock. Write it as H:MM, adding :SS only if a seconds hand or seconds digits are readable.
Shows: 11:34:56
